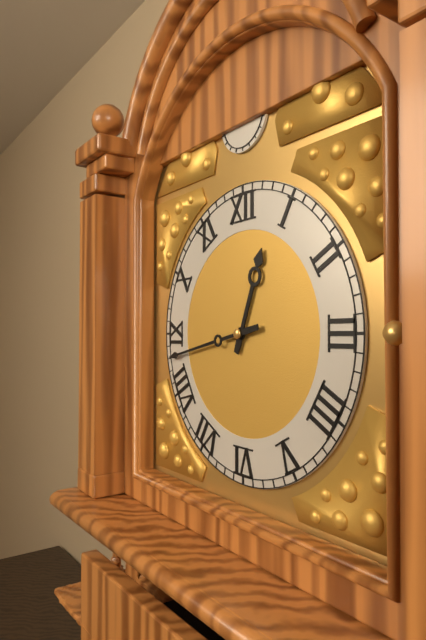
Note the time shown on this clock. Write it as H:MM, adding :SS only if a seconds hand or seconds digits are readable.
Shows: 12:43
